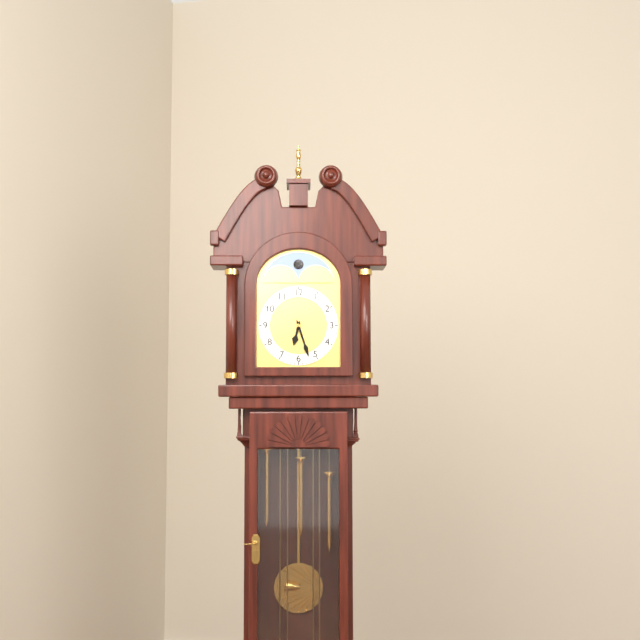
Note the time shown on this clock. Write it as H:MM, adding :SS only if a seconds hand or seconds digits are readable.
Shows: 6:27
